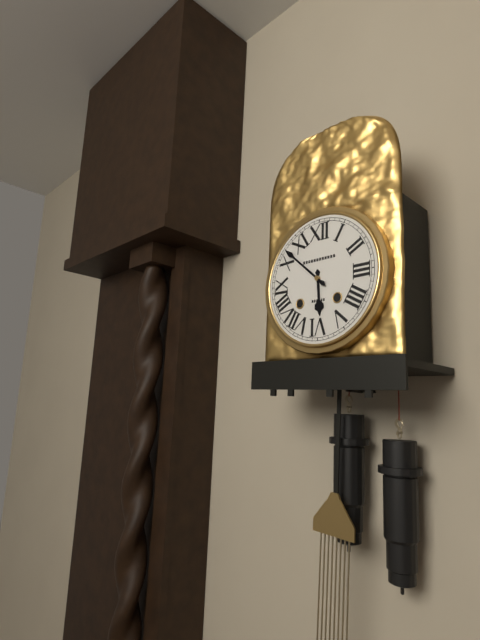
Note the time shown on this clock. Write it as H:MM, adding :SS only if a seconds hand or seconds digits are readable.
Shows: 5:52
